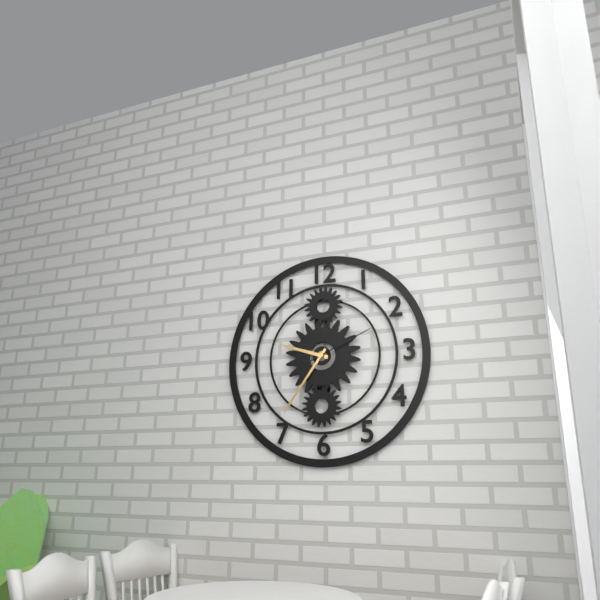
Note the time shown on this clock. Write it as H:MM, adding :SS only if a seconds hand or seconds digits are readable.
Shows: 9:36:11
